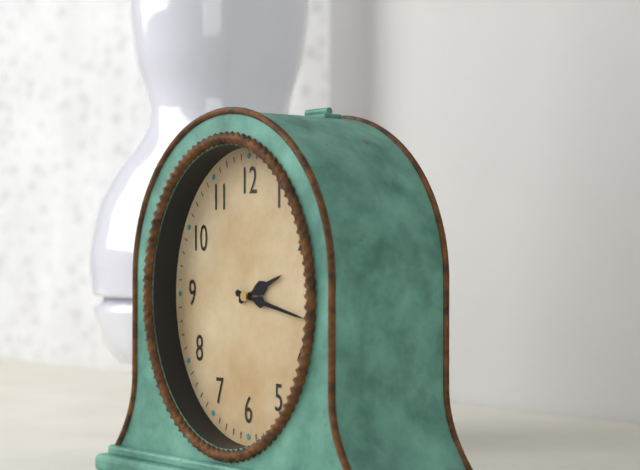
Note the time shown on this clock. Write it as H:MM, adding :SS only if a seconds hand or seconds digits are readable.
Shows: 2:17
